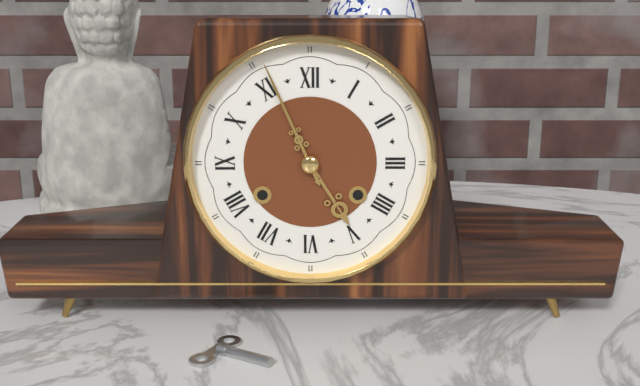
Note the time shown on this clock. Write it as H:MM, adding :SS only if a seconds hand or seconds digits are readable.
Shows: 4:56
